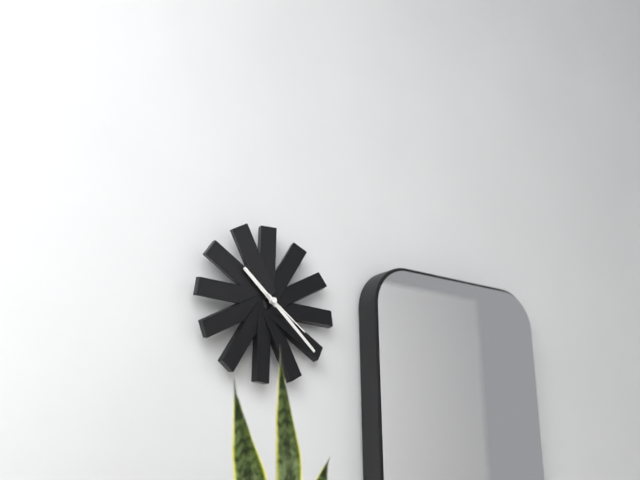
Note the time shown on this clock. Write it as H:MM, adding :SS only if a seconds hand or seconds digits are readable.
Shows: 10:22:21
